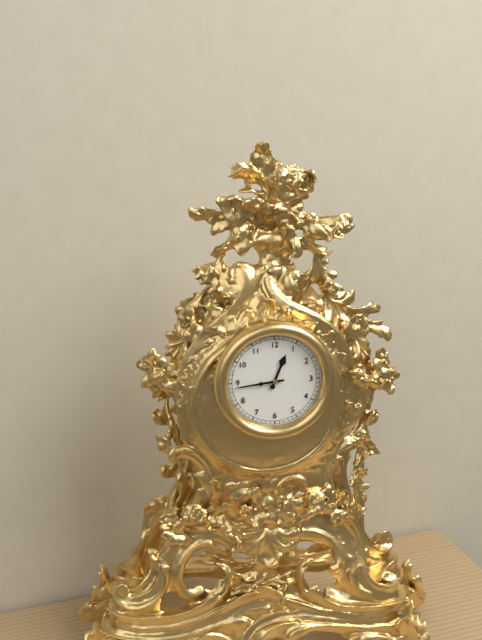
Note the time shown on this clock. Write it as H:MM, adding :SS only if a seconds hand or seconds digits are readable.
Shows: 12:44
